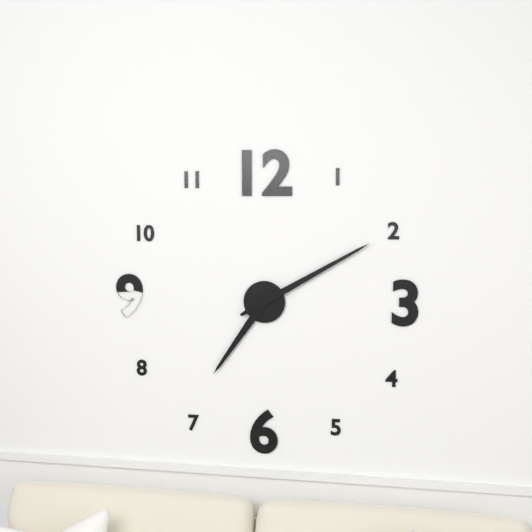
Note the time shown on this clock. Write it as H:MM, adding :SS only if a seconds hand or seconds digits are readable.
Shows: 7:10
